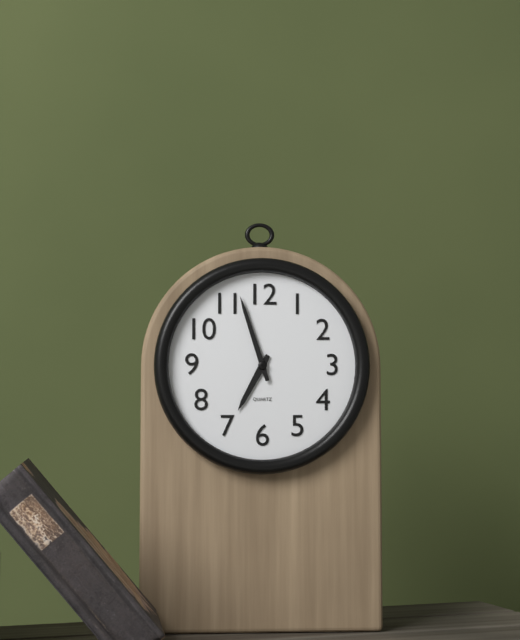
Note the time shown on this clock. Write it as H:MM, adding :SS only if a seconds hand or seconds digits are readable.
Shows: 6:57
